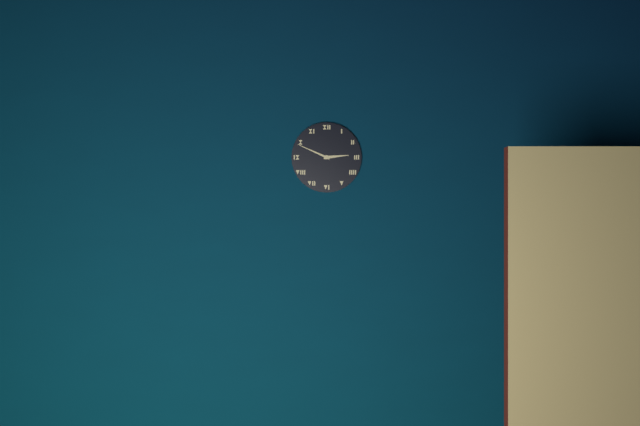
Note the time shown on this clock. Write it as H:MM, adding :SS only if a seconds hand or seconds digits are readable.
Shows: 2:49
